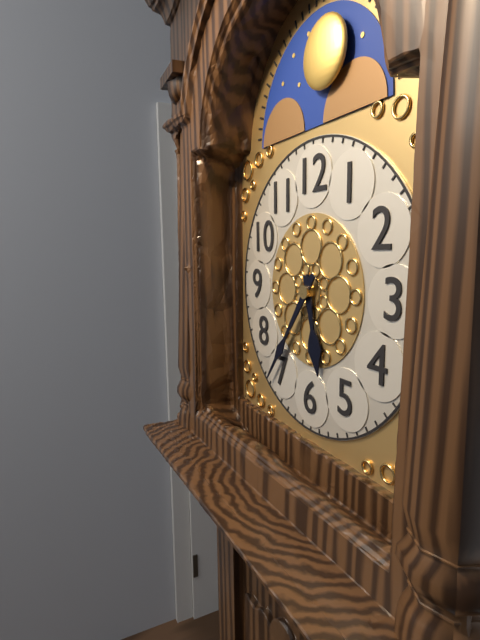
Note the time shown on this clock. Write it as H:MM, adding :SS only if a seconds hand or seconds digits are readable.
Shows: 5:36
